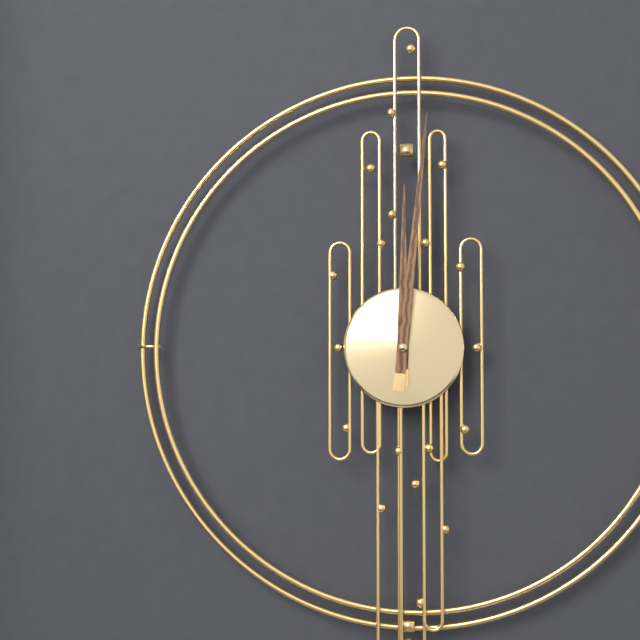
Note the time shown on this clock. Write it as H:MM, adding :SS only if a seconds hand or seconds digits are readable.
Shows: 12:01
